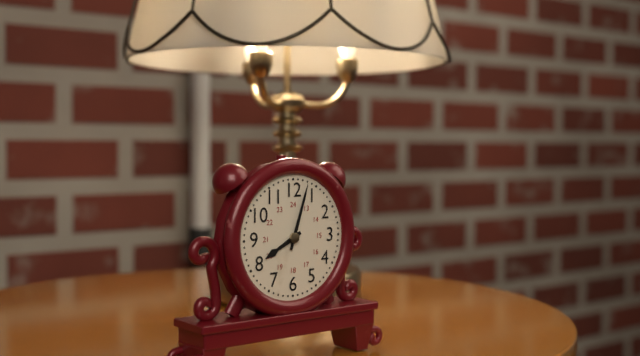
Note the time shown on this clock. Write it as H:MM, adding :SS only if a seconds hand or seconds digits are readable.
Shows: 8:03
